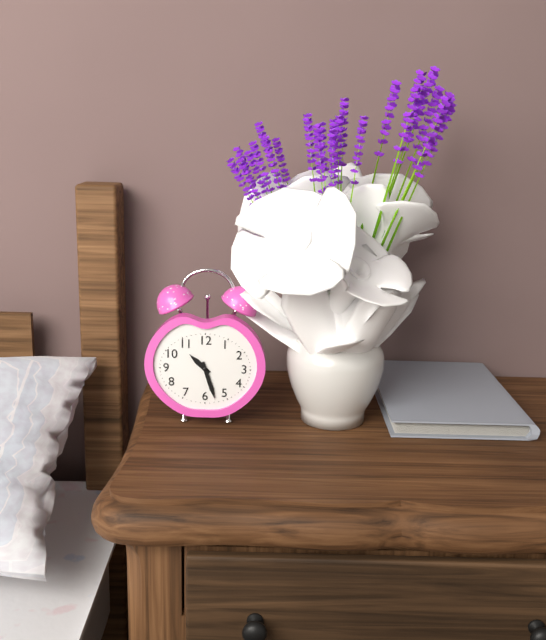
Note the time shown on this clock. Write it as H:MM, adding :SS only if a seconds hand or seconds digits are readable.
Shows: 10:27
